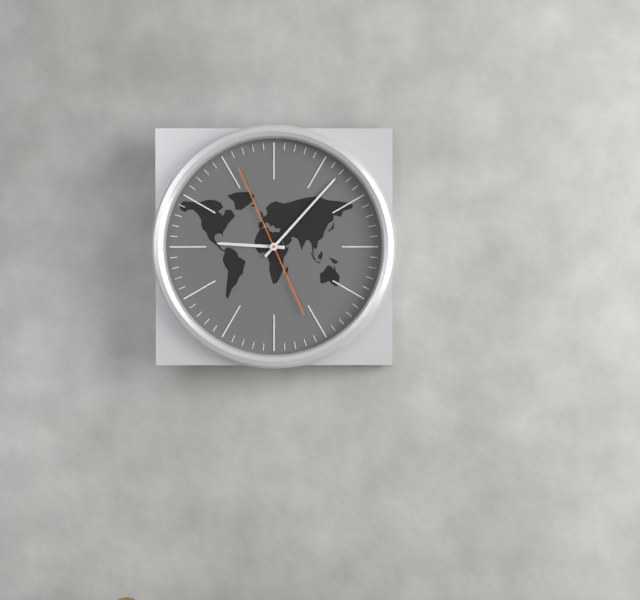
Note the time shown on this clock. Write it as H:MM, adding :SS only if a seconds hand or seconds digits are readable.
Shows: 9:07:56
